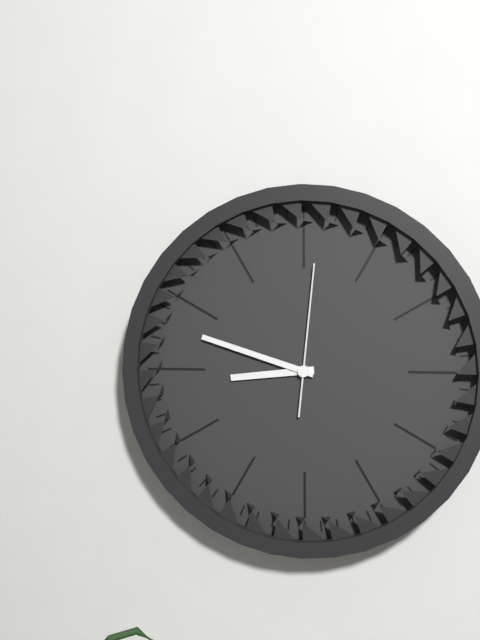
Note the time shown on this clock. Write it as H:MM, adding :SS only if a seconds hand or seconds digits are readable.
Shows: 8:48:01
